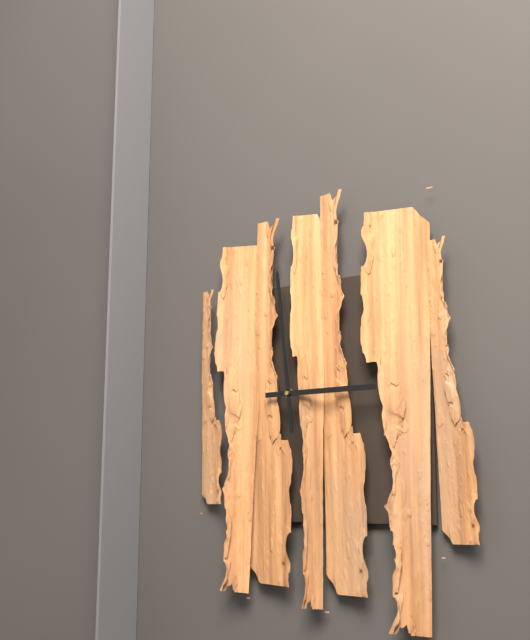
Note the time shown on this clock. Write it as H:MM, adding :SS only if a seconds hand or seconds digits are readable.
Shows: 2:59
